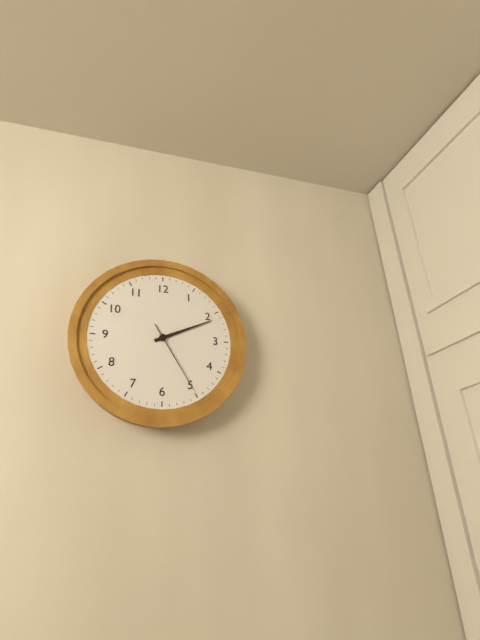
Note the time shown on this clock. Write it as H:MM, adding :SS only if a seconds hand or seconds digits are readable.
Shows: 2:11:25
